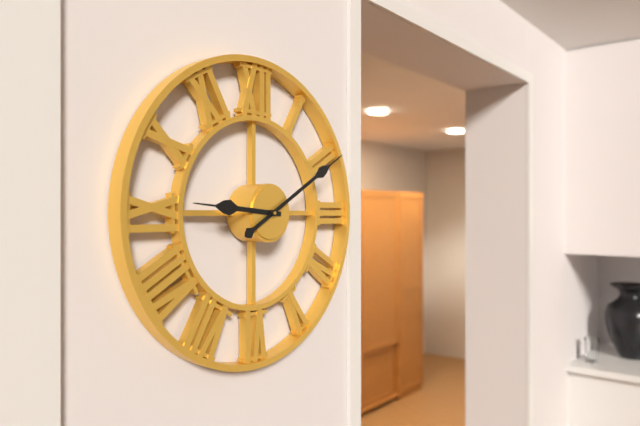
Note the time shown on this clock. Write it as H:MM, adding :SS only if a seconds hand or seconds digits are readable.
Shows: 9:10
